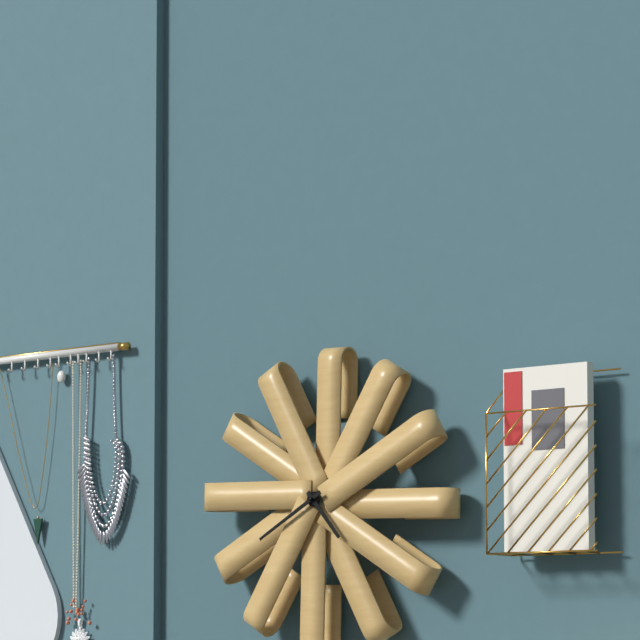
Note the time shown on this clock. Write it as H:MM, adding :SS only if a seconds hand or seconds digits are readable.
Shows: 4:40
